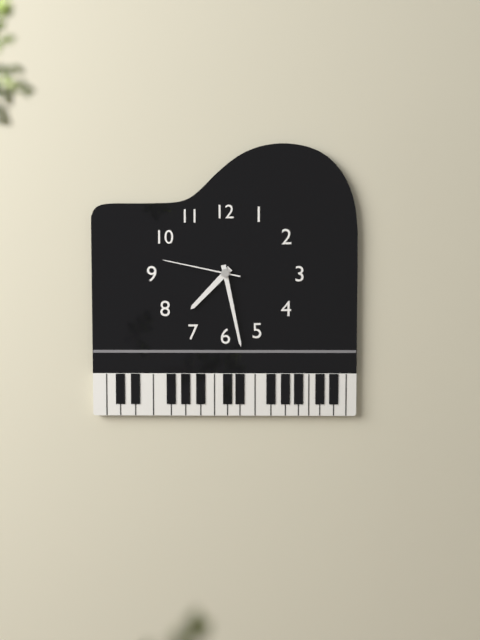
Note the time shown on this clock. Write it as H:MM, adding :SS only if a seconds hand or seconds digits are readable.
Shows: 7:28:47
